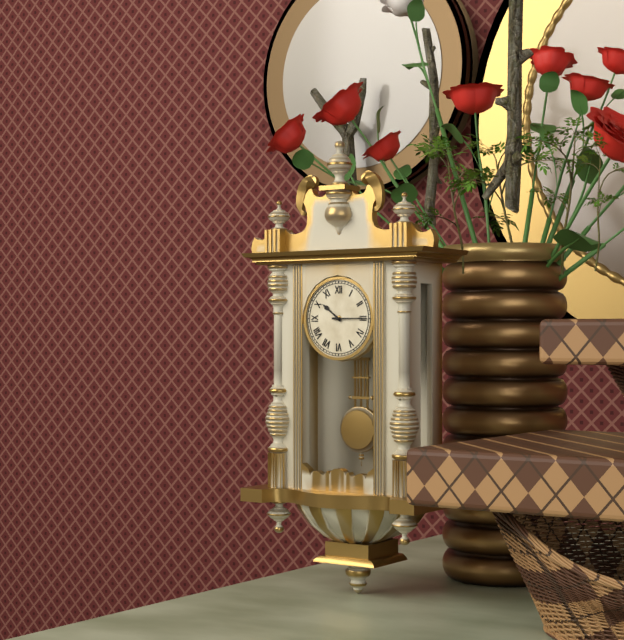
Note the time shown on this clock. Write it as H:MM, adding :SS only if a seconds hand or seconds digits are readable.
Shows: 10:15
